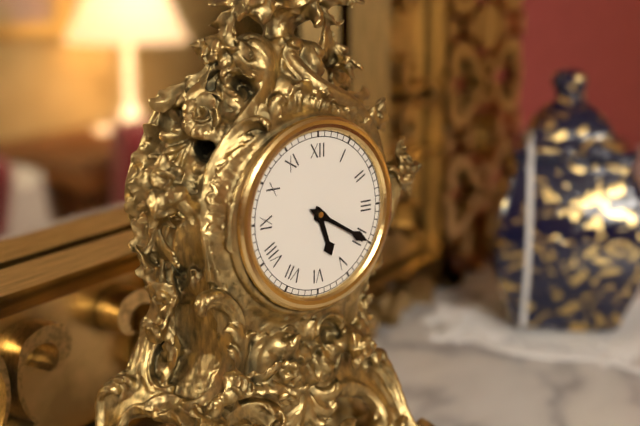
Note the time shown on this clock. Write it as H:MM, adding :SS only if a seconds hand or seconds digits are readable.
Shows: 5:20
